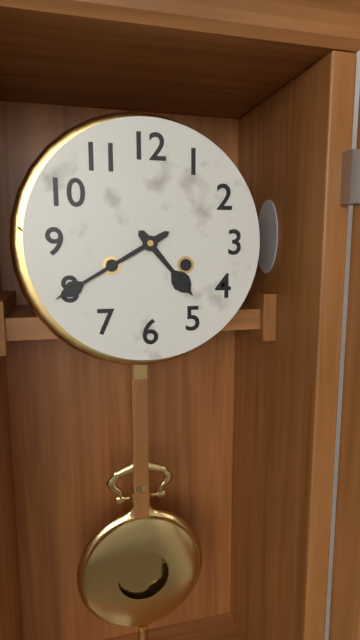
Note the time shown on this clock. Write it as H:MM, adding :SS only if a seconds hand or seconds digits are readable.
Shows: 4:40
